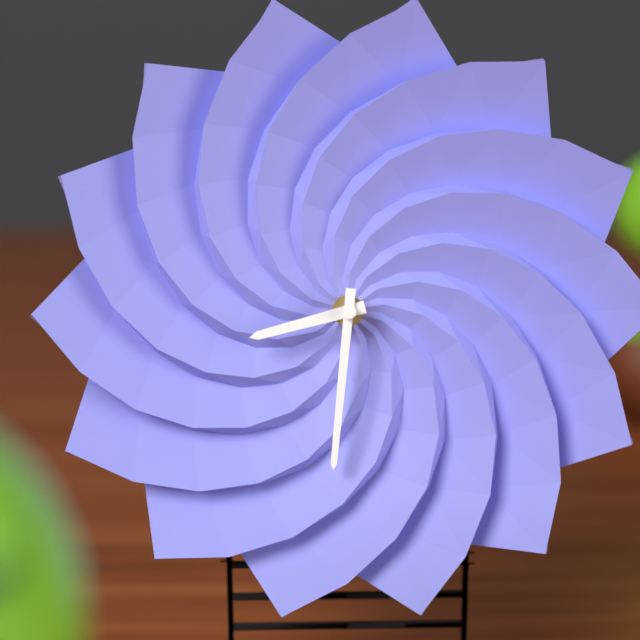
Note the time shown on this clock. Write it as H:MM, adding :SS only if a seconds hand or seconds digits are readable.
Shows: 8:31
